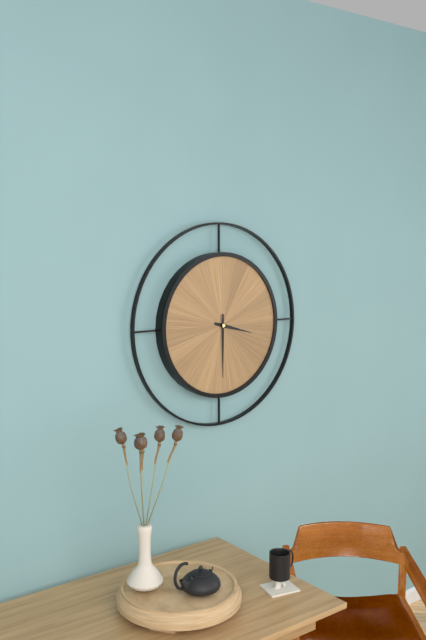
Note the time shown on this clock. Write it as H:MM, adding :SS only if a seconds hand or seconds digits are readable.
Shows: 3:30
